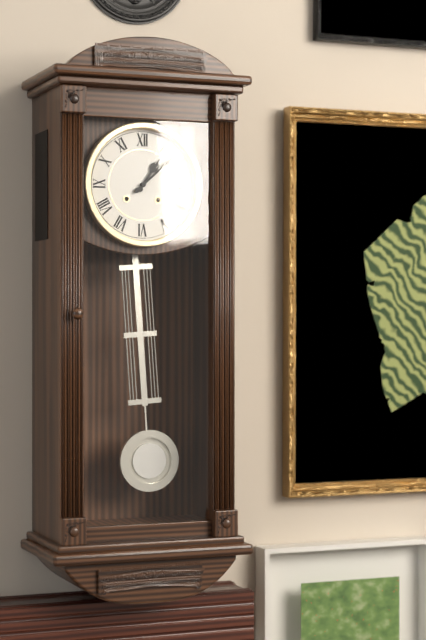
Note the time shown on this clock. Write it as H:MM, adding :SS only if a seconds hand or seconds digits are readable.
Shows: 1:08
